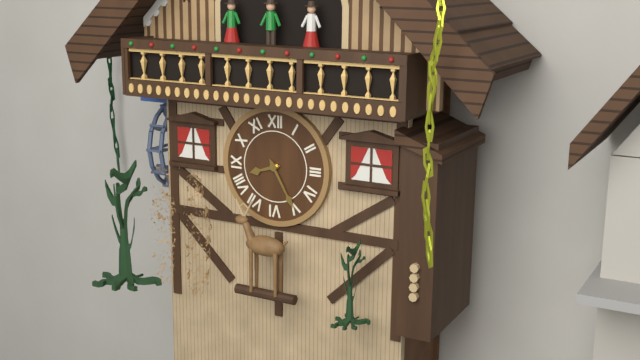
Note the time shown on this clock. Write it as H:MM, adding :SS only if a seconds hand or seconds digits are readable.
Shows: 8:25
